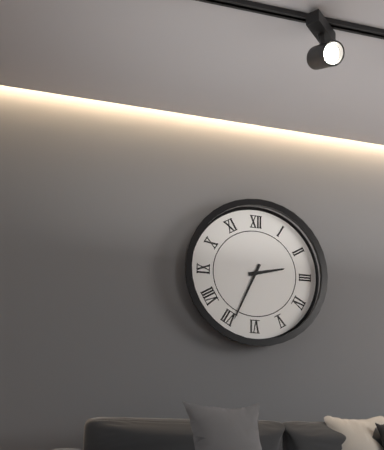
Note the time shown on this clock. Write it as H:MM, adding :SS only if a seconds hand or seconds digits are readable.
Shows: 2:34
